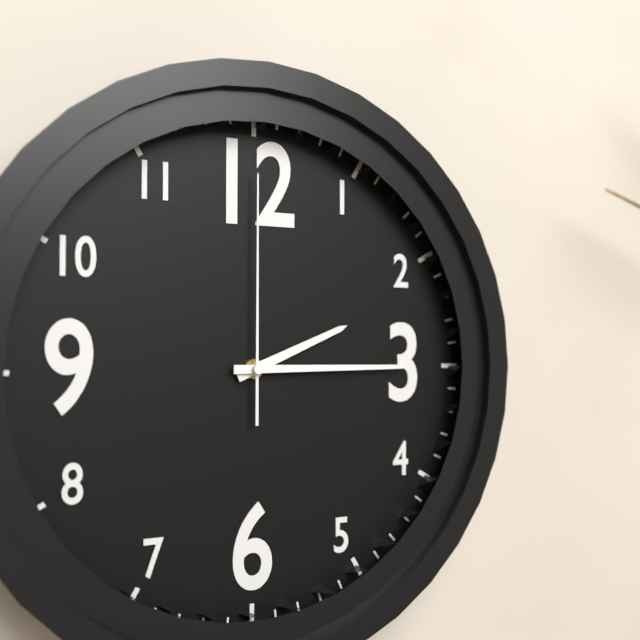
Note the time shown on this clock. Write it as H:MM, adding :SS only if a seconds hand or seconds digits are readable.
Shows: 2:15:00
